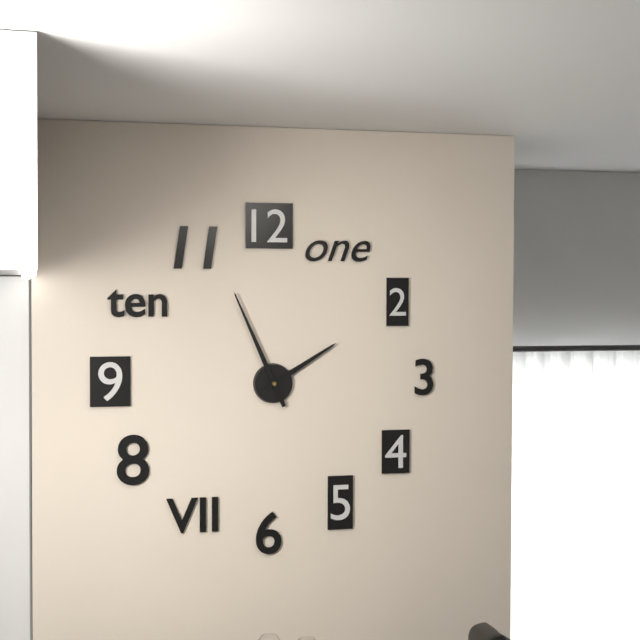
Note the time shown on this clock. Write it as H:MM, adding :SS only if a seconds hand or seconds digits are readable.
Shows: 1:56
